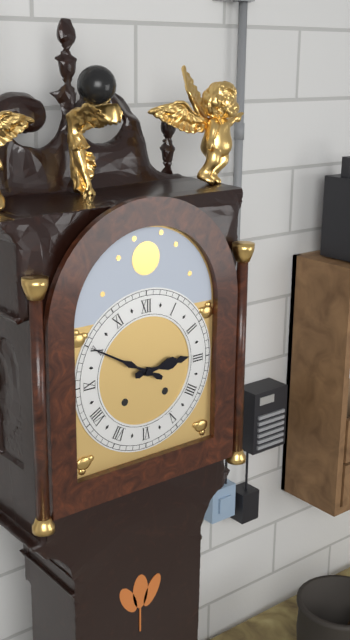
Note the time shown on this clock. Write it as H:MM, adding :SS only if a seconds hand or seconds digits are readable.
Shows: 2:50
